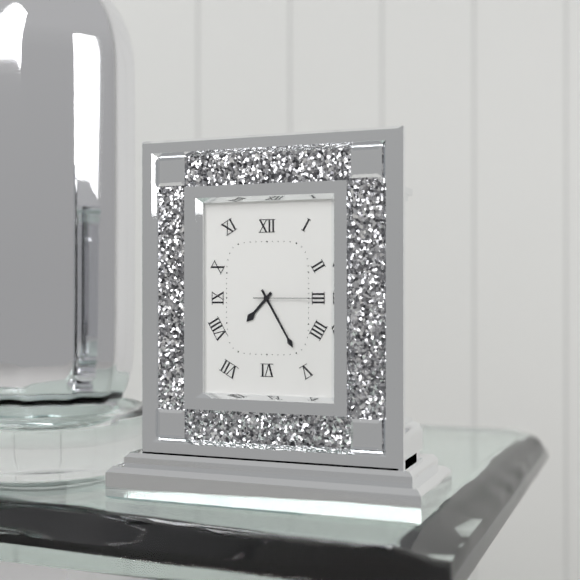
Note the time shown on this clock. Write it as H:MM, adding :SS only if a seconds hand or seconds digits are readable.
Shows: 7:25:15
